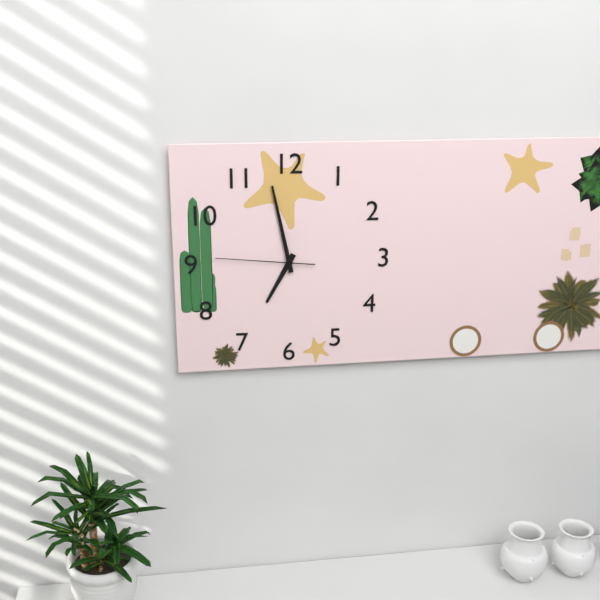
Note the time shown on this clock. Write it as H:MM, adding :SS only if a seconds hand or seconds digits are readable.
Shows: 6:58:46
